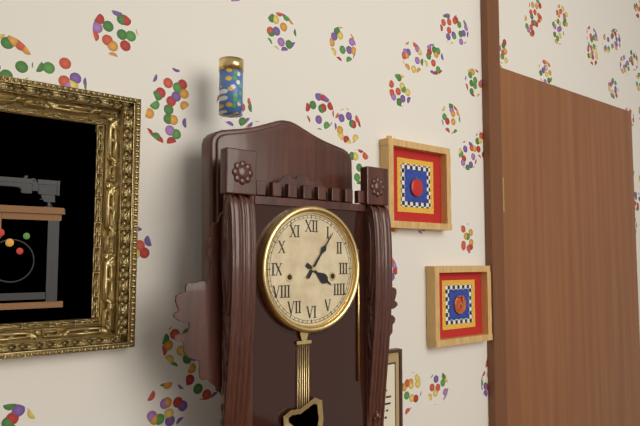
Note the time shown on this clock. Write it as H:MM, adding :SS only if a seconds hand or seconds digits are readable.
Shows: 4:06
